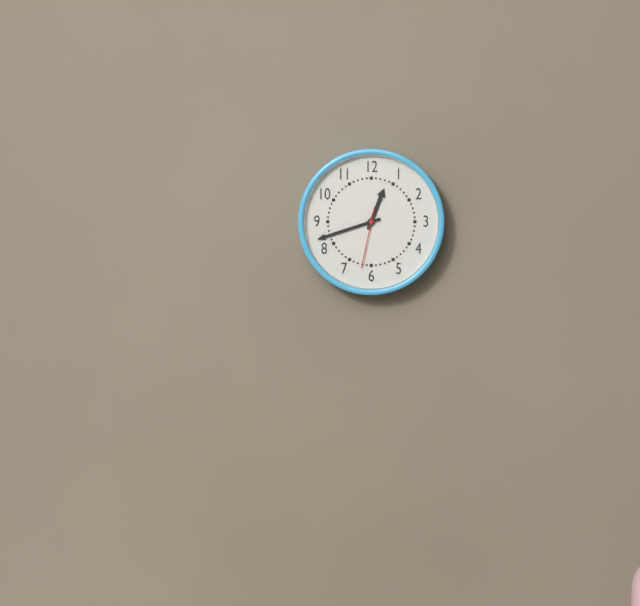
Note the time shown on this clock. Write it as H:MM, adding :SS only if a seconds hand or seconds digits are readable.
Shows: 12:42:32
